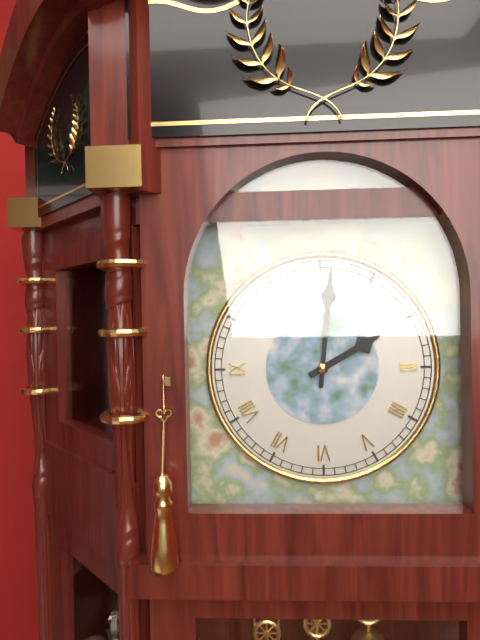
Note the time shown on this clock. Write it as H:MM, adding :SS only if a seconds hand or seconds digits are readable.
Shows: 2:01
